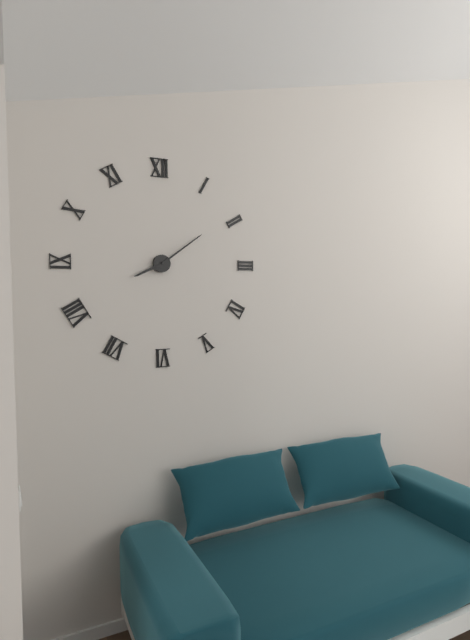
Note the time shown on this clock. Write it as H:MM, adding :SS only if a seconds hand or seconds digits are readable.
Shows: 8:09
